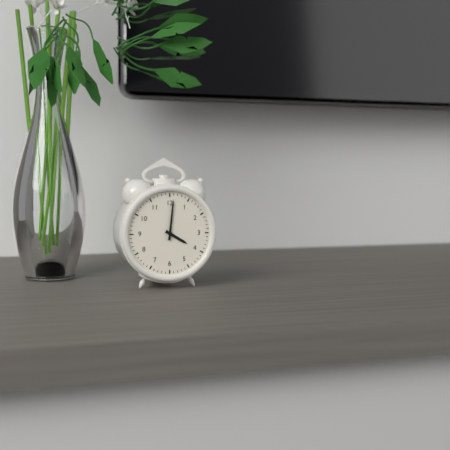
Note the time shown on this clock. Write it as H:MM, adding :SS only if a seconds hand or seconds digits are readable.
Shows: 4:01
